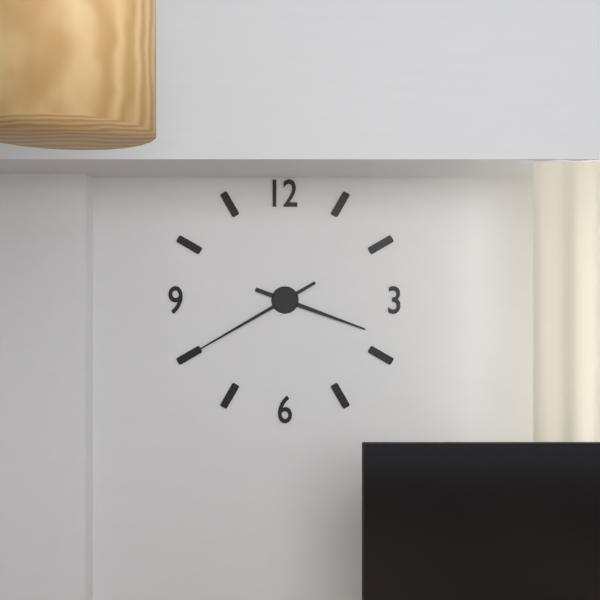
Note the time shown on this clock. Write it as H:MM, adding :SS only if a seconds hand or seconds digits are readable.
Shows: 3:40
